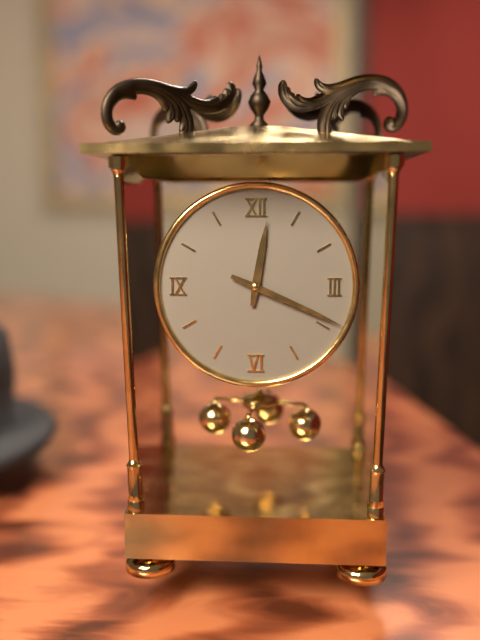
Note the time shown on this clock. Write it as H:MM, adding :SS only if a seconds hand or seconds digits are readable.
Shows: 12:19
